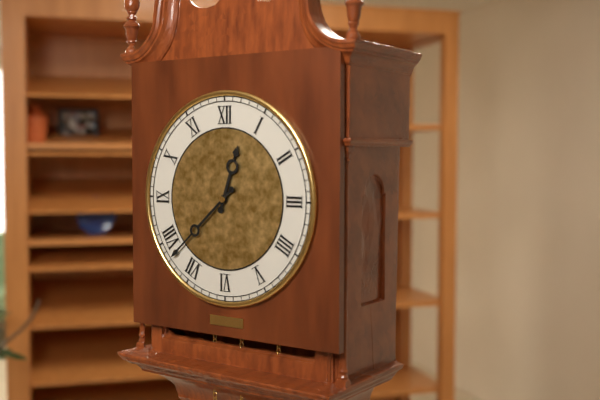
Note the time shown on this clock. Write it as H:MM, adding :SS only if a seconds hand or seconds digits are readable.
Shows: 12:38
